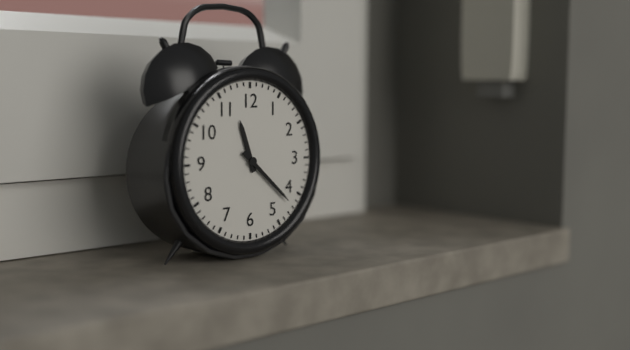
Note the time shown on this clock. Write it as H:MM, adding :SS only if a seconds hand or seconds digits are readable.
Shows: 11:22
